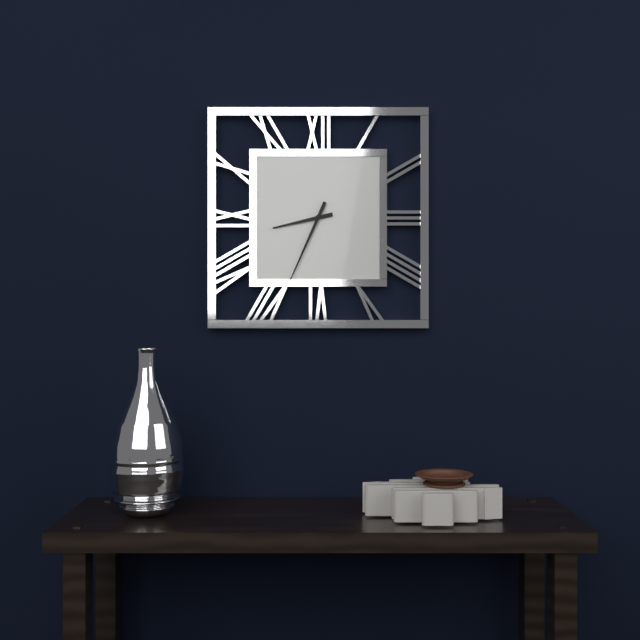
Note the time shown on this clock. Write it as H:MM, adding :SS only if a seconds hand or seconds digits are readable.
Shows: 8:34
